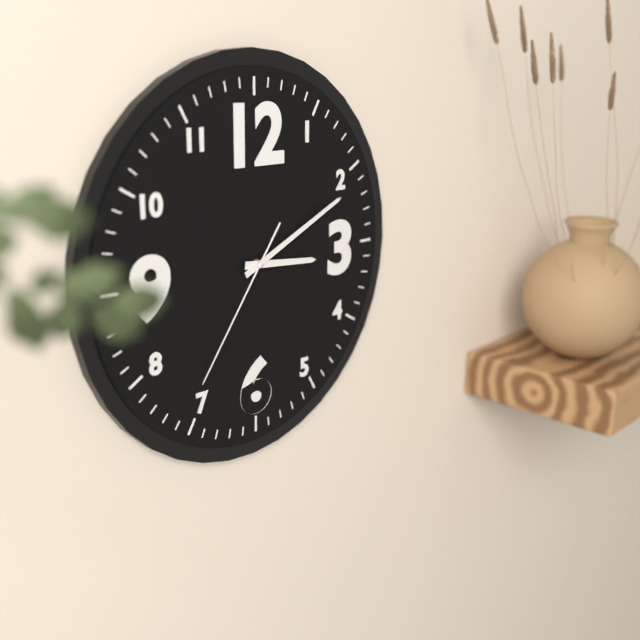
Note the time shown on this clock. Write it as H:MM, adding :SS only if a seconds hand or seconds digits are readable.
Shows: 3:11:36
